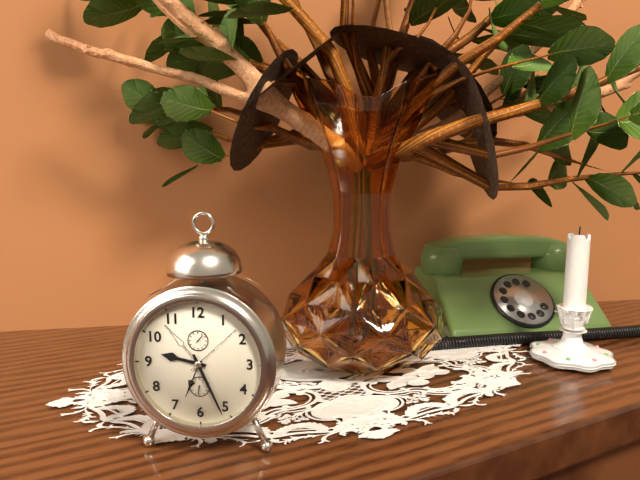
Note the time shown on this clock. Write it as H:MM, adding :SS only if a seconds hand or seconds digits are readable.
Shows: 9:26
